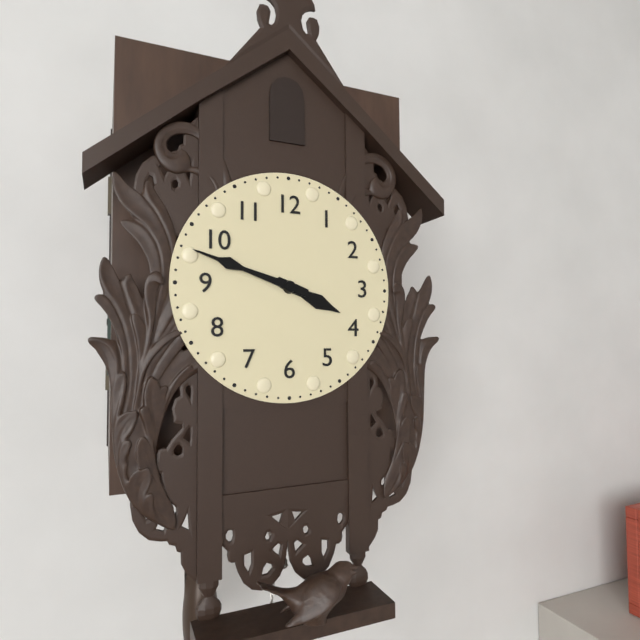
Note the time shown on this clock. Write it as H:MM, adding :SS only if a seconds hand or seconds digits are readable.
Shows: 3:48
